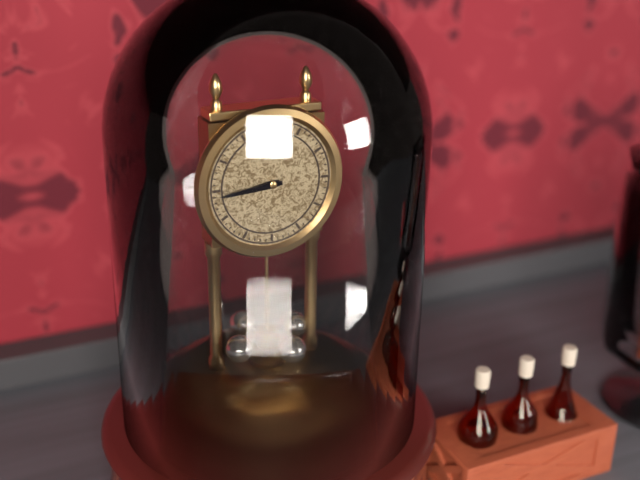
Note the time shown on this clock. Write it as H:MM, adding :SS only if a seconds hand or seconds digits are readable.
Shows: 8:44
